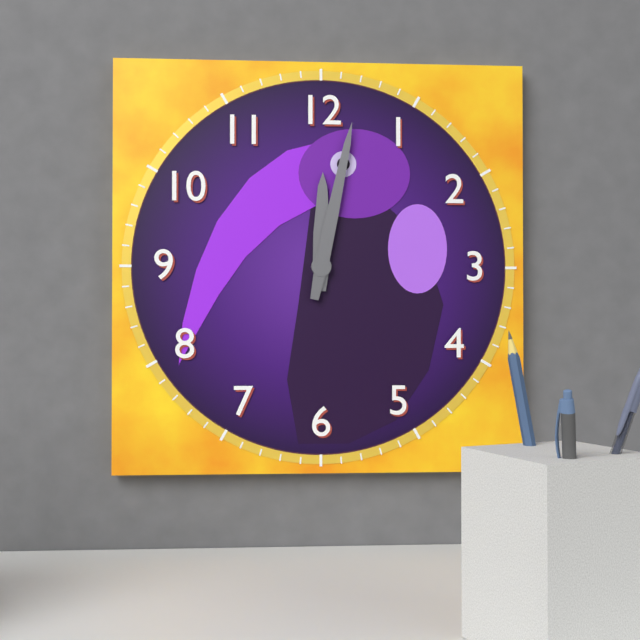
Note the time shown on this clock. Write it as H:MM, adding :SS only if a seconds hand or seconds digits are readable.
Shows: 12:02
